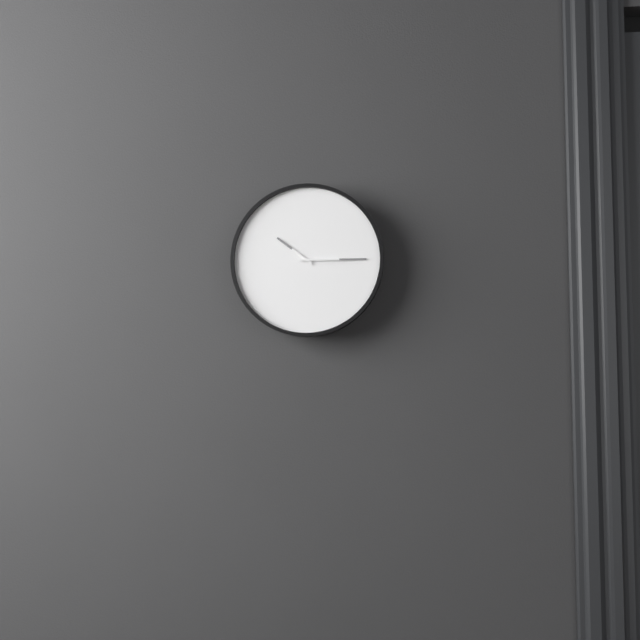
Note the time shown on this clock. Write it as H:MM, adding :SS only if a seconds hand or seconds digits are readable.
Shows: 10:15
